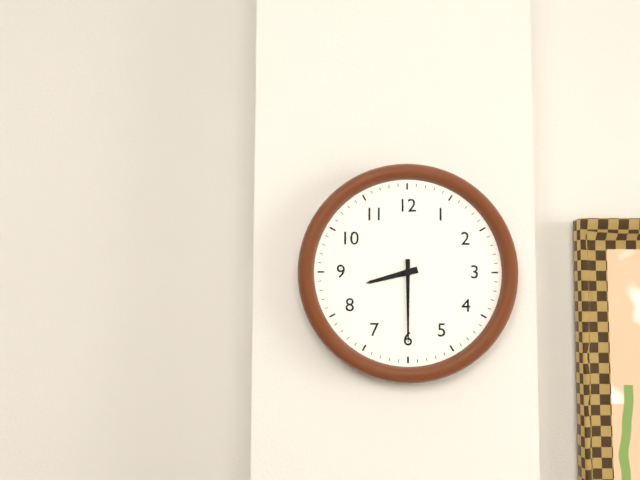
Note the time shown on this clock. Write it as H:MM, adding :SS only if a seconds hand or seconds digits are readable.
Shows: 8:30
